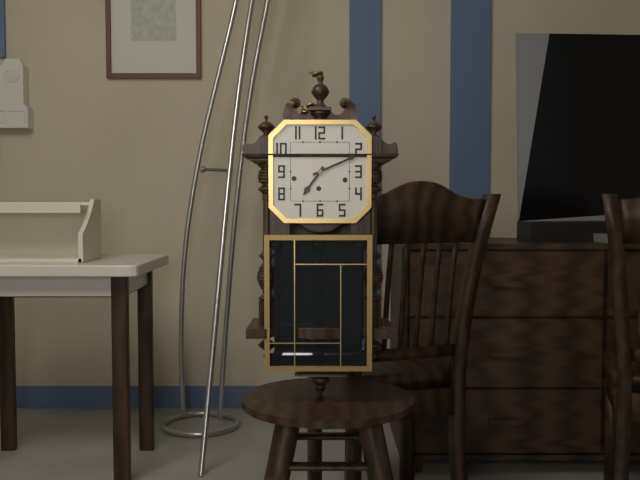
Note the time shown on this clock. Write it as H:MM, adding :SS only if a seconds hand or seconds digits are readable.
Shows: 7:11
